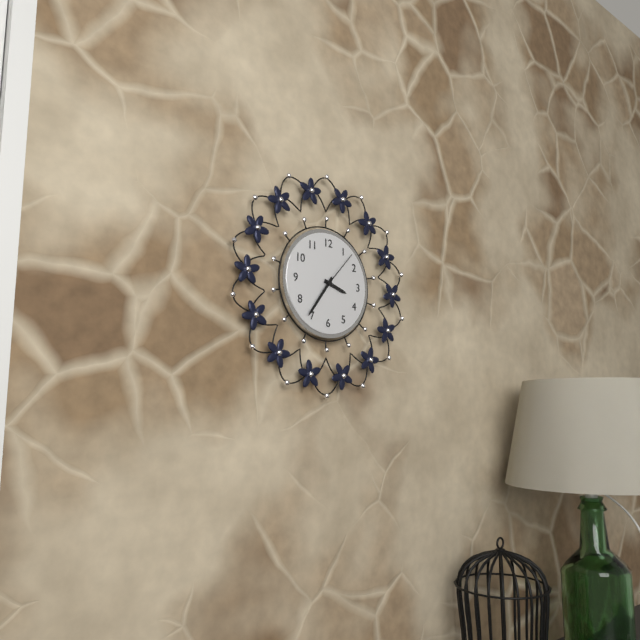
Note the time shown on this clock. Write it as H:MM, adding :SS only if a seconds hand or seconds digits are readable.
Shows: 3:36:07
